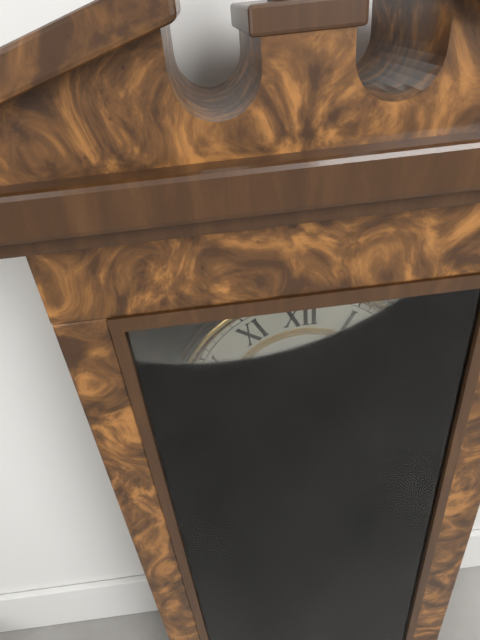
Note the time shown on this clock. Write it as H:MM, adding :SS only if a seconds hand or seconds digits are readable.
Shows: 8:32
